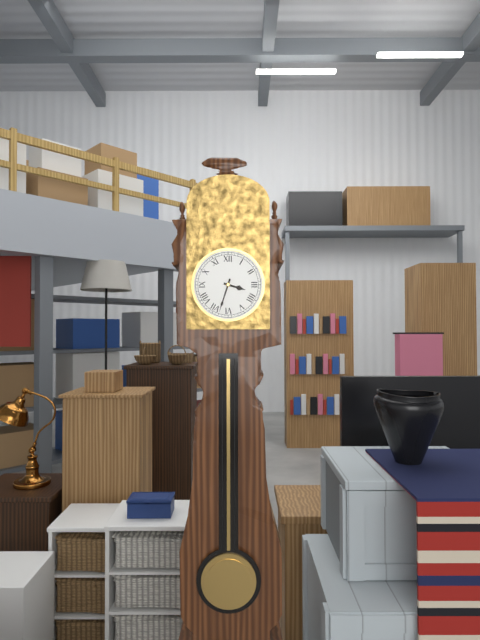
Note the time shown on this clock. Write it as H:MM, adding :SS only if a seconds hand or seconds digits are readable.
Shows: 3:33
